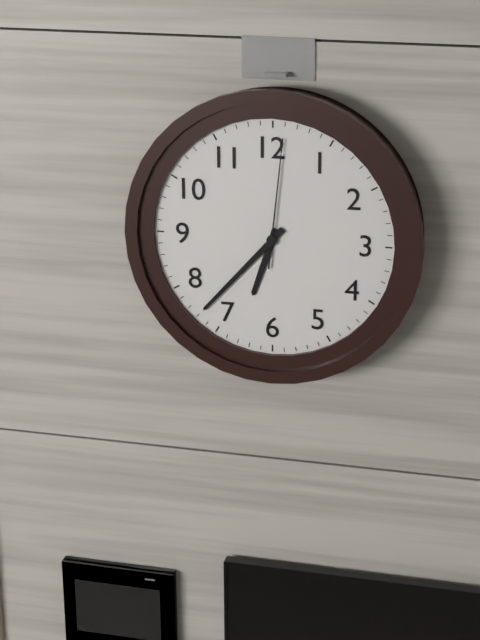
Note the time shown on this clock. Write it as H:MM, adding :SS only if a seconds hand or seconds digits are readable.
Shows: 6:37:01
